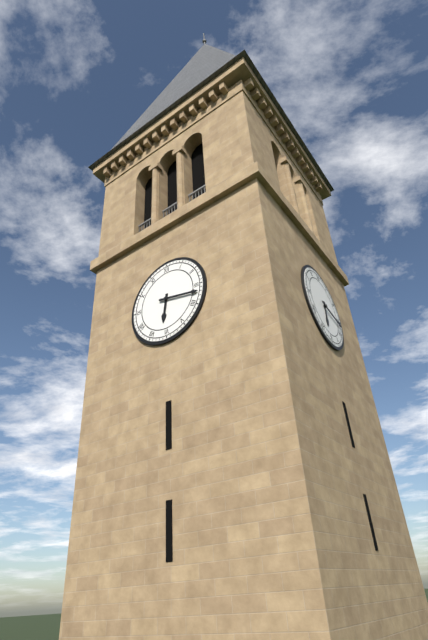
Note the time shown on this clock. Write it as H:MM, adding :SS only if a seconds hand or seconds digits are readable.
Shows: 6:17
